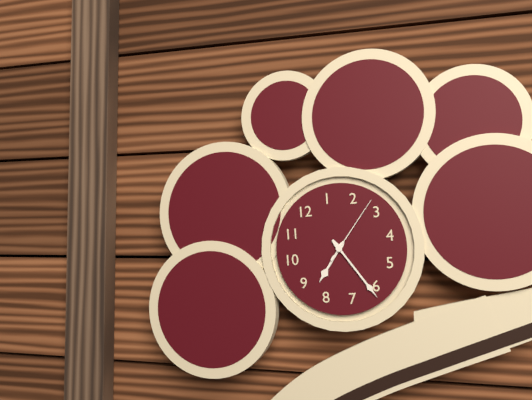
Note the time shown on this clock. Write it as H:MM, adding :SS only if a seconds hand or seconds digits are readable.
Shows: 8:31:13
